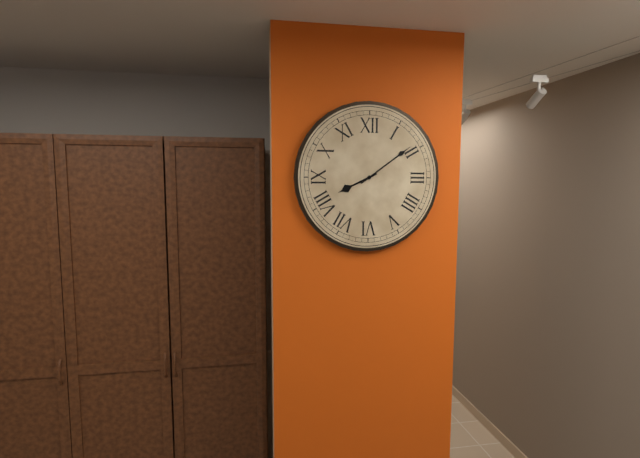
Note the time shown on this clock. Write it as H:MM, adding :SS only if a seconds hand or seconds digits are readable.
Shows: 8:09
